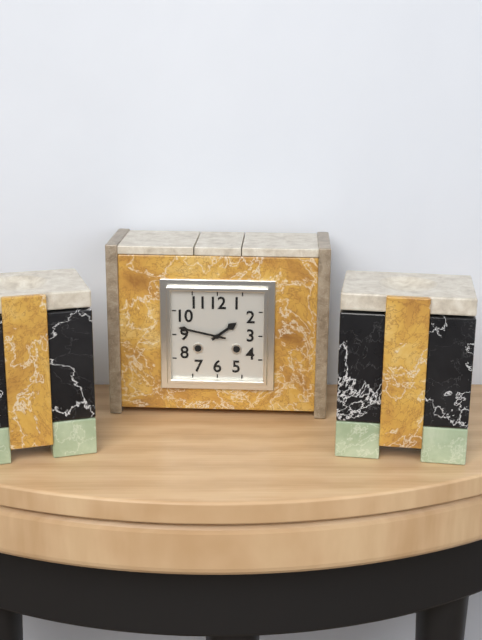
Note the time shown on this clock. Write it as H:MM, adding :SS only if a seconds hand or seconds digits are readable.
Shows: 1:47
